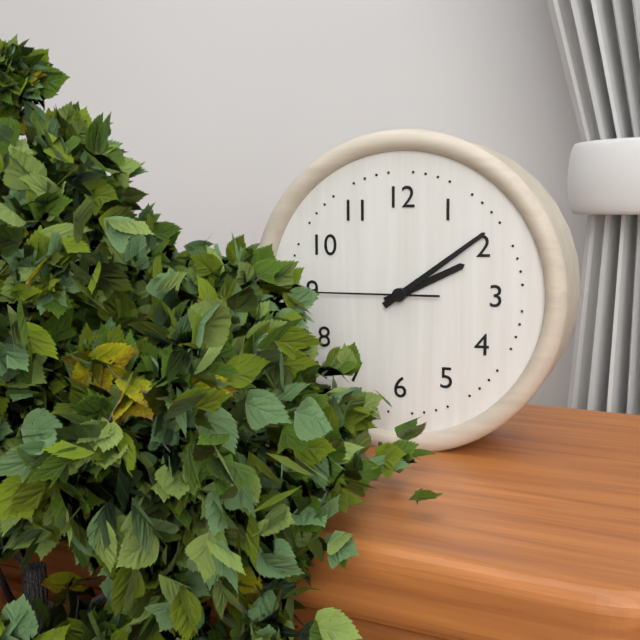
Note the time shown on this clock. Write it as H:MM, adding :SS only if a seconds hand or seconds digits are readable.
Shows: 2:09:45
